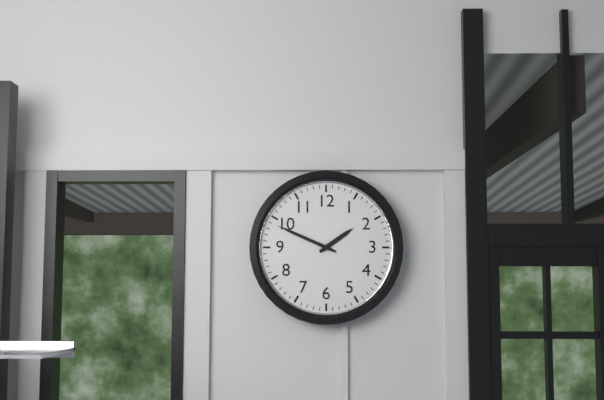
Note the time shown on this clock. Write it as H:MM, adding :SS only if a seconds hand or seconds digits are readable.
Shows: 1:49
